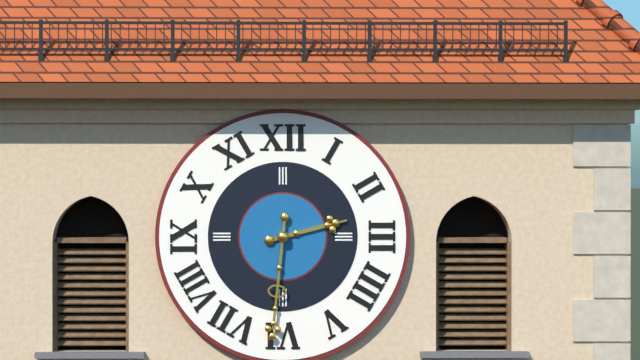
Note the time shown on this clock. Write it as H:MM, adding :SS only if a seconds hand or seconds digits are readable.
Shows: 2:31
